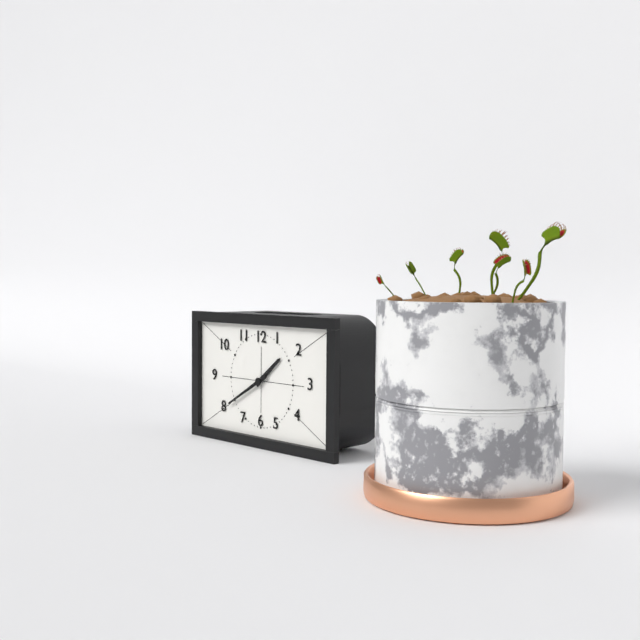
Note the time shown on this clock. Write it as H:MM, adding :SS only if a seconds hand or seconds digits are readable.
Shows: 1:40
